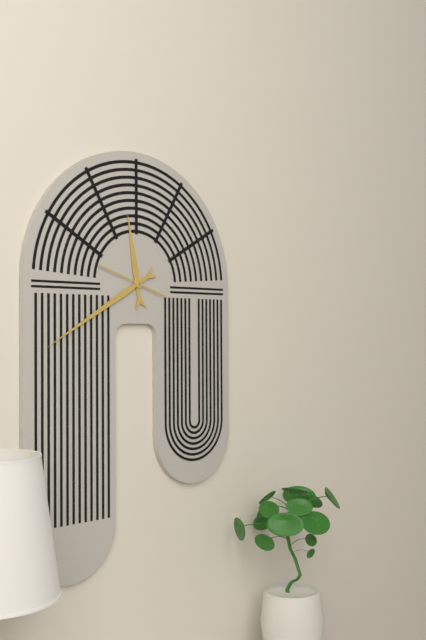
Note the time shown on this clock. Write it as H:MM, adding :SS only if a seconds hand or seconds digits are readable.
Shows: 11:40:48
